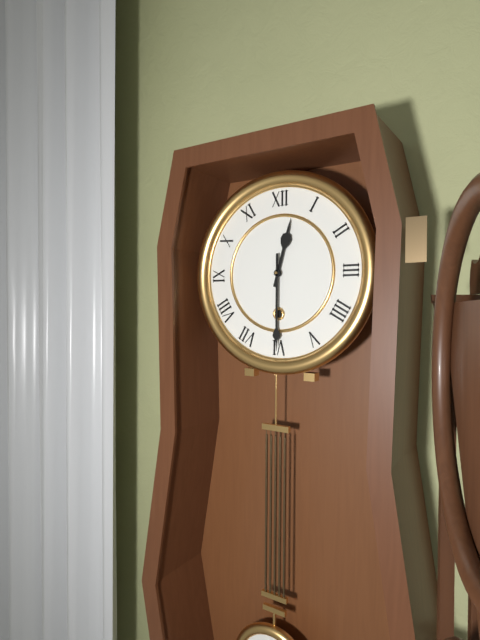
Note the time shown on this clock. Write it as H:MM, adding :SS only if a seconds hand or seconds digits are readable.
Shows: 12:30
